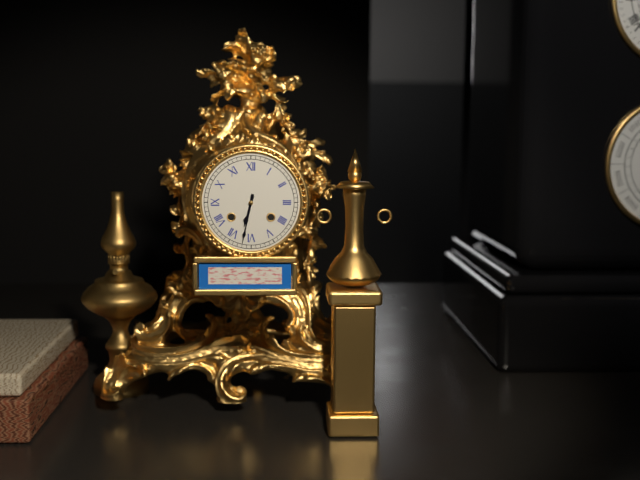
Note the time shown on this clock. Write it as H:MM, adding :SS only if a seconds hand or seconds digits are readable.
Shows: 6:32
